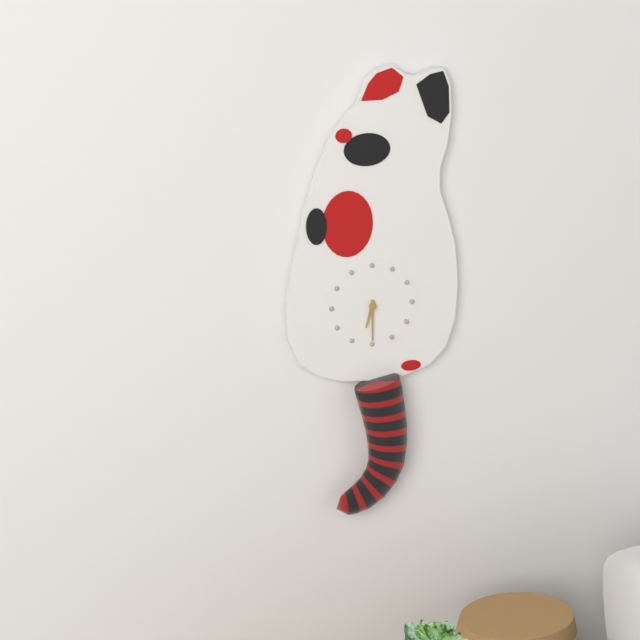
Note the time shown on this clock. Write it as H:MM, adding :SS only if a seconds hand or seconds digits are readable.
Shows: 6:30
